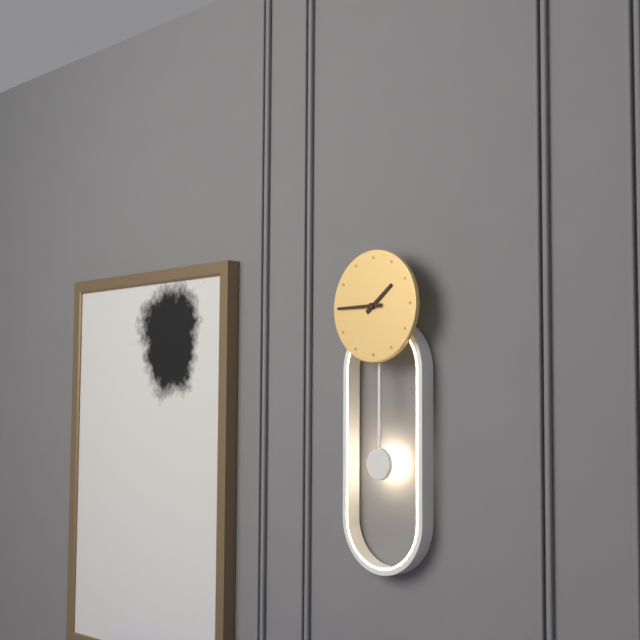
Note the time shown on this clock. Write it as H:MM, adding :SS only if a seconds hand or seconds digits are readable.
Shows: 1:45
